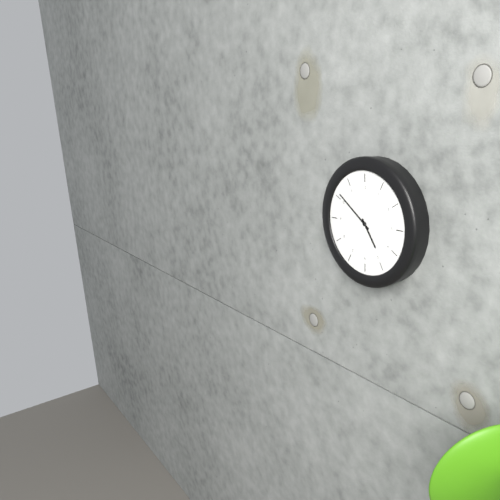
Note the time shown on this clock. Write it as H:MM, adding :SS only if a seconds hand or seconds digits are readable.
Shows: 4:51
